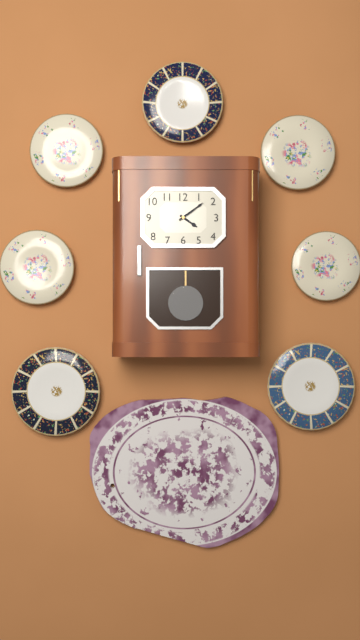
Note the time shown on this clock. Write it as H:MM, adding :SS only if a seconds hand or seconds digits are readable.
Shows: 4:09
